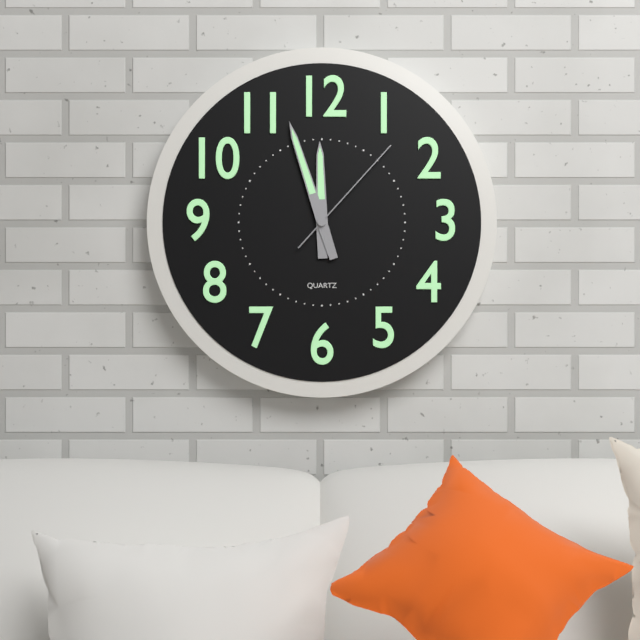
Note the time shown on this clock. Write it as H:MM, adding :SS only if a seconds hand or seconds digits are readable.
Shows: 11:57:07
